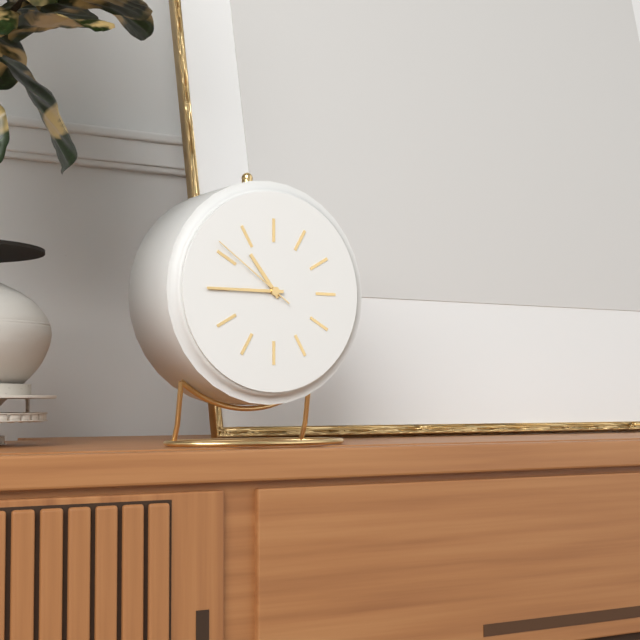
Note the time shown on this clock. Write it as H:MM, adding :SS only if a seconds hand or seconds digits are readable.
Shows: 10:45:51
